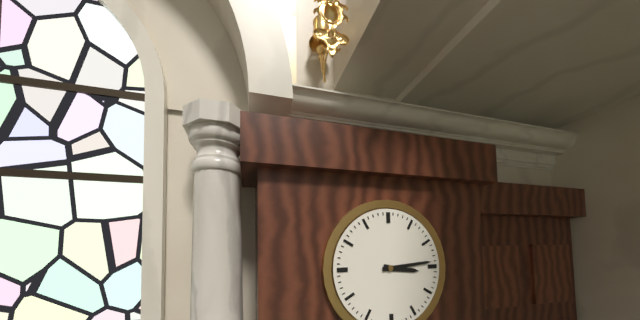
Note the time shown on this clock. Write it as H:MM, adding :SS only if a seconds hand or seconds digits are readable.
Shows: 3:14
